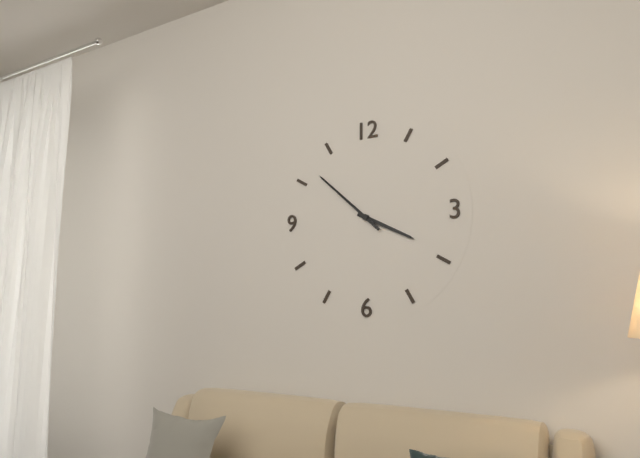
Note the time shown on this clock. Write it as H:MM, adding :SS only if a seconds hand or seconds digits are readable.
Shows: 3:52
